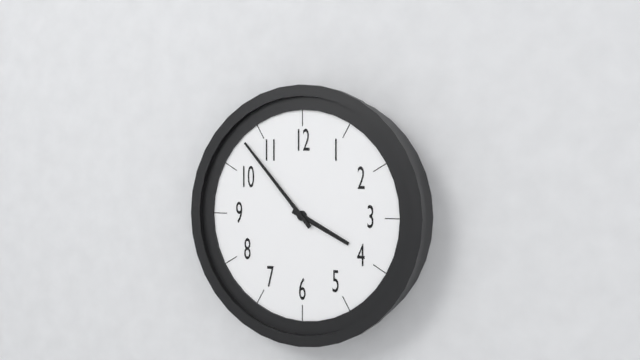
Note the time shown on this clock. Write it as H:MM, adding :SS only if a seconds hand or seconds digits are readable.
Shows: 3:53
